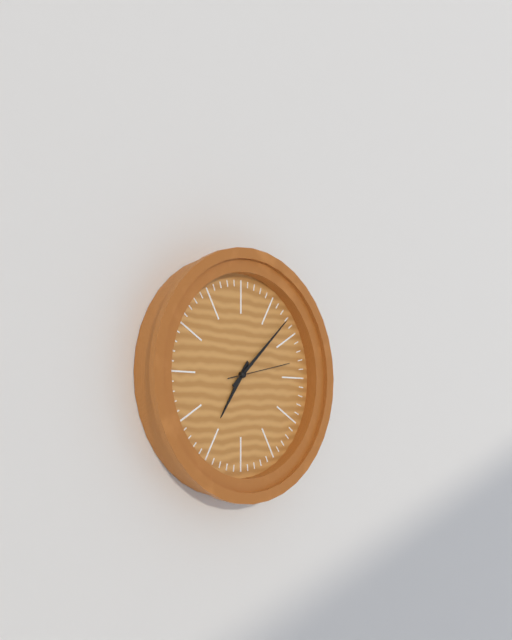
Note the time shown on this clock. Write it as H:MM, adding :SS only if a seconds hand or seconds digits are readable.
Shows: 7:08:13
